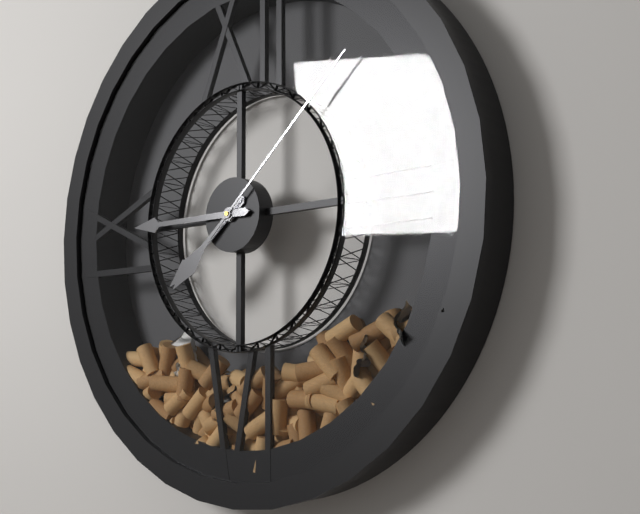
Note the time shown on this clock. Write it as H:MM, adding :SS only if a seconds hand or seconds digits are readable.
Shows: 7:45:08
